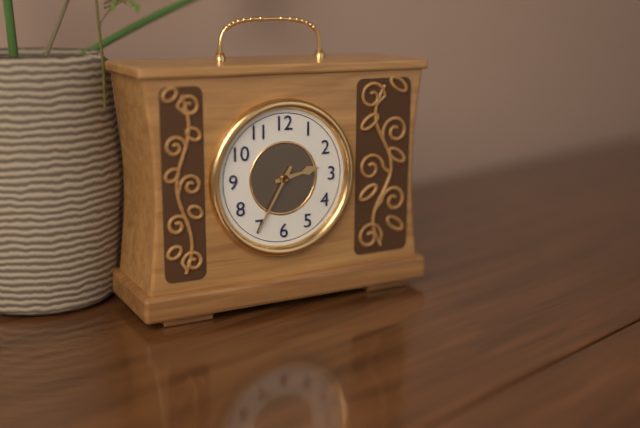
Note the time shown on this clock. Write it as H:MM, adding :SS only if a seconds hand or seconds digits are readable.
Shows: 2:35
